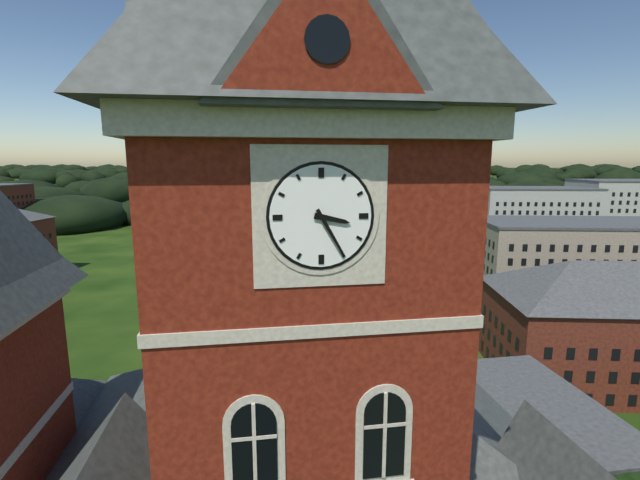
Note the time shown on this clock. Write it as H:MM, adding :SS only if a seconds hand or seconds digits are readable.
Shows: 3:25
